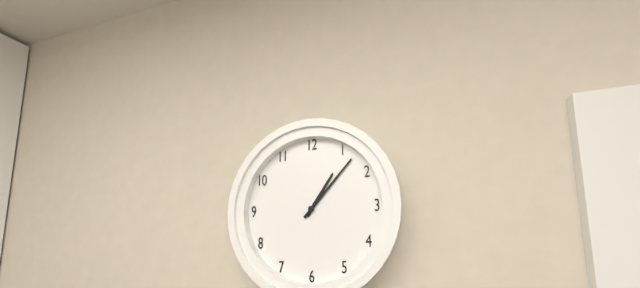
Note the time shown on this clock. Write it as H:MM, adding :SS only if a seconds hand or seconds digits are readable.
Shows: 1:07
